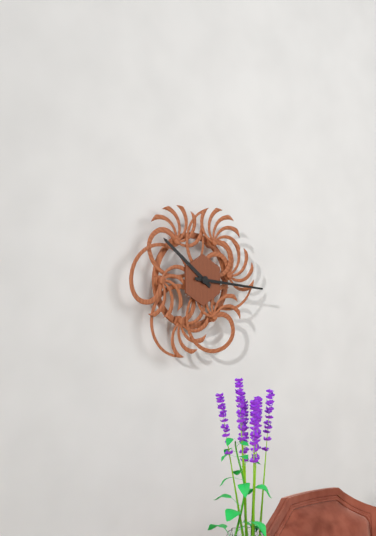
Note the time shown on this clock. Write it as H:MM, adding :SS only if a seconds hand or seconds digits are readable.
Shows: 10:16
